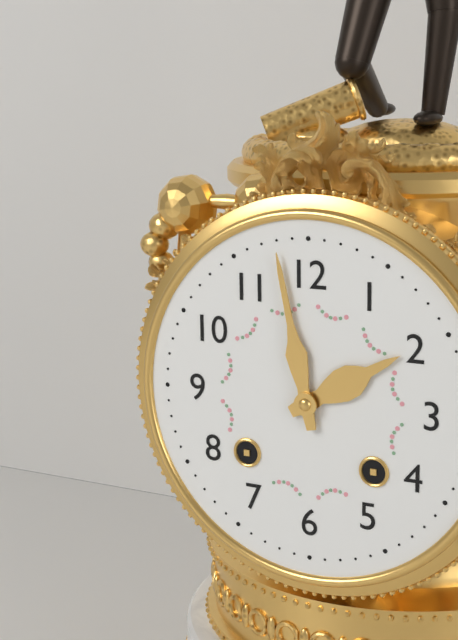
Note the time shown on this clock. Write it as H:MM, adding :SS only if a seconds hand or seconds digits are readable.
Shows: 1:58
